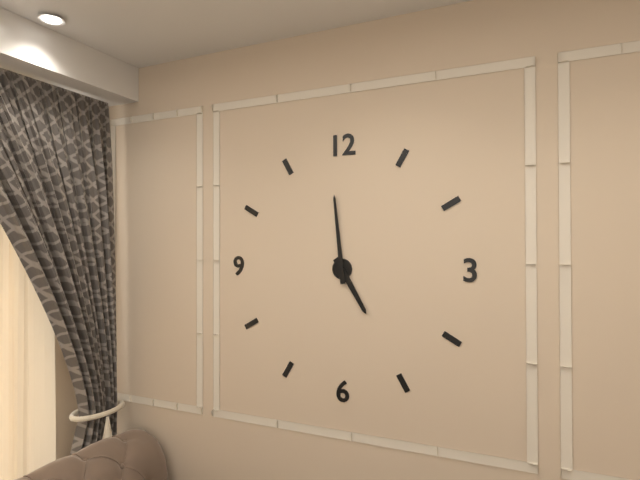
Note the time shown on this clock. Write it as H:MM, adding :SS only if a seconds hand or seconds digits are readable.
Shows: 4:59
